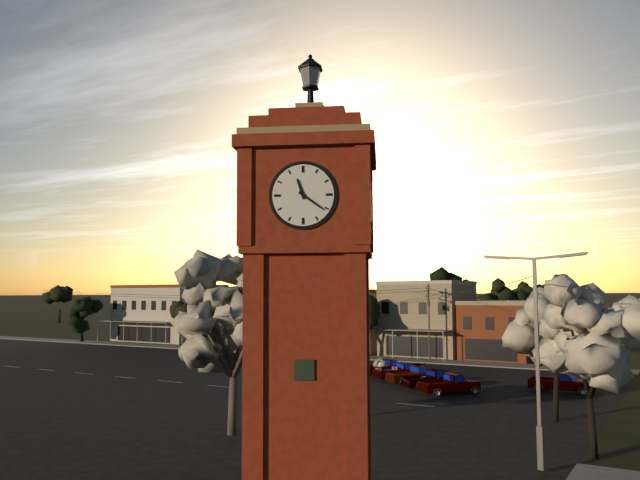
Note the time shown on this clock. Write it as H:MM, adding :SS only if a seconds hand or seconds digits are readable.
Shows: 11:21
